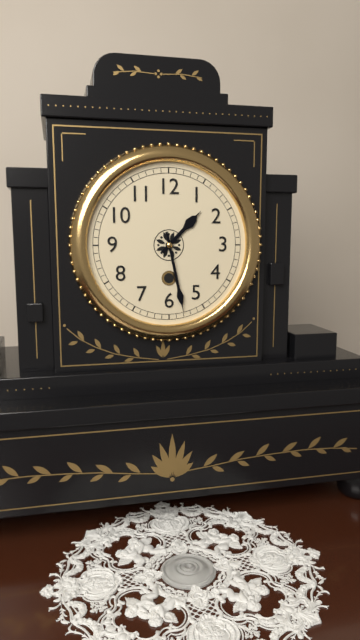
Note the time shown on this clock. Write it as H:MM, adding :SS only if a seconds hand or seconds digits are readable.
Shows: 1:28
